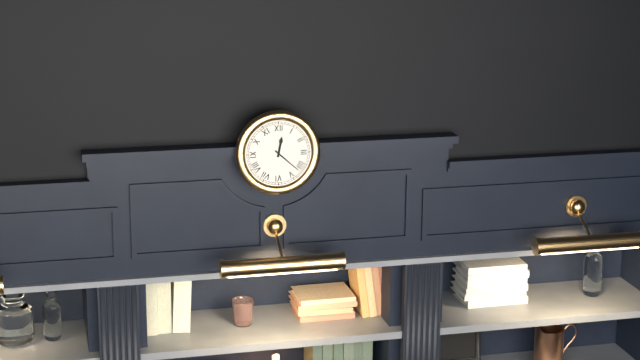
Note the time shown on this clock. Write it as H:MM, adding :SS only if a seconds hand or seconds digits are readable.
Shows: 12:22
